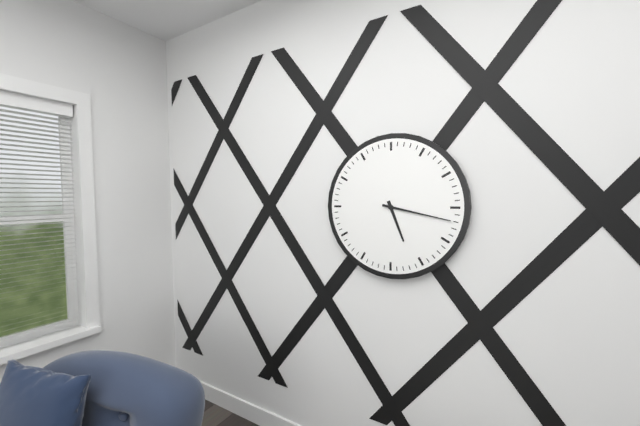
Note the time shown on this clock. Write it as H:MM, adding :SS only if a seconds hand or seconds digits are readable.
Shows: 5:17
